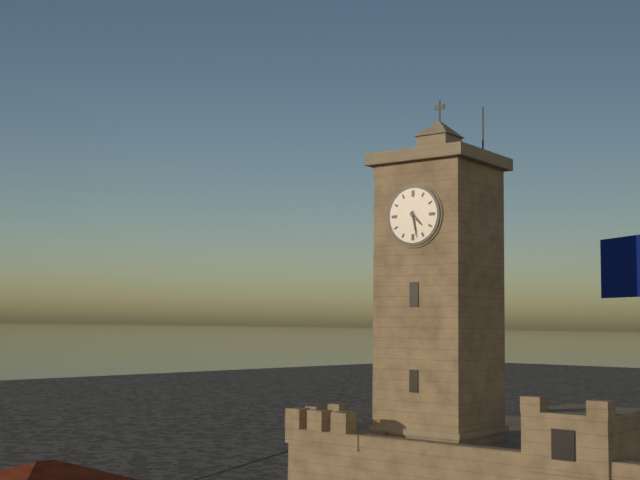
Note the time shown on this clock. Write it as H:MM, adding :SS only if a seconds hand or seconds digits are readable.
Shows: 4:28
